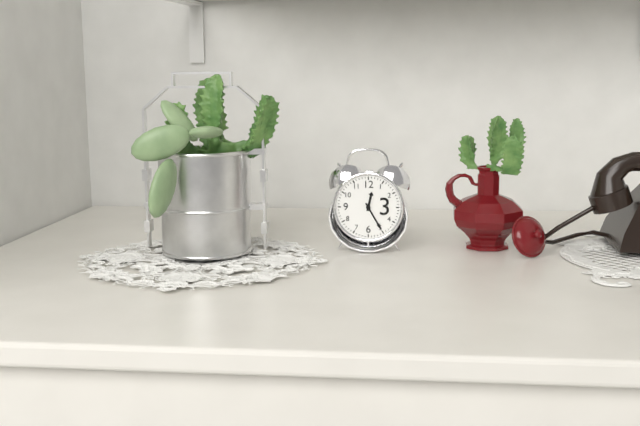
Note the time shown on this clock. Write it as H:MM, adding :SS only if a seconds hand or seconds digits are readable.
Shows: 12:25
